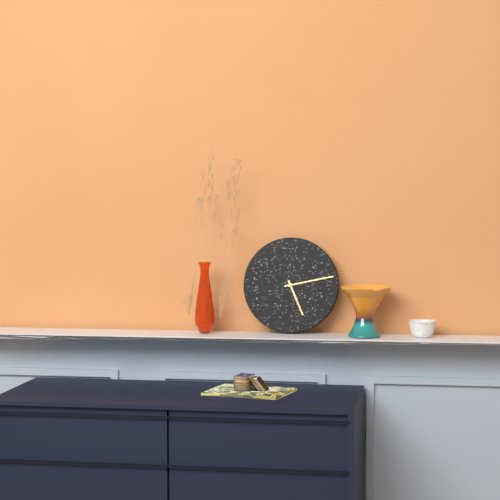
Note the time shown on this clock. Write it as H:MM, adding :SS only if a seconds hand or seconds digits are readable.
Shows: 5:13
